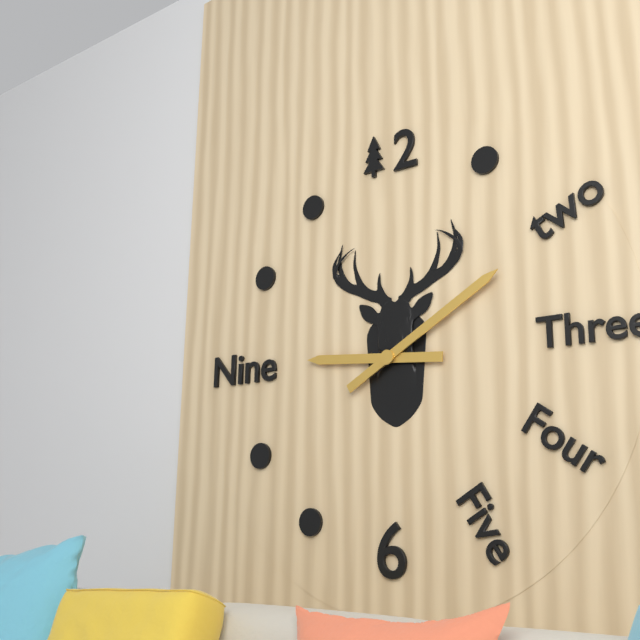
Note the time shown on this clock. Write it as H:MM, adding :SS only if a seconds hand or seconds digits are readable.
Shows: 9:10
